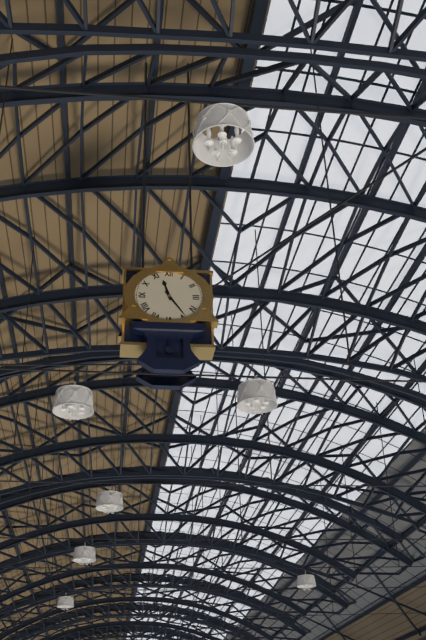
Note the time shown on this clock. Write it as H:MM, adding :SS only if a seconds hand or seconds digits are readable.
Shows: 11:24
